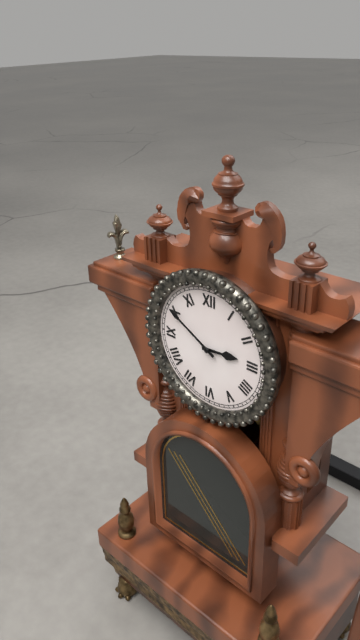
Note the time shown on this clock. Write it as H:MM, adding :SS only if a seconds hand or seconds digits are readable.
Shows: 2:50
